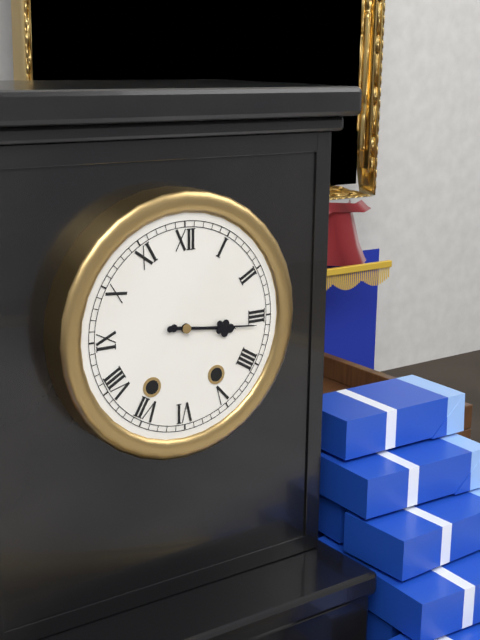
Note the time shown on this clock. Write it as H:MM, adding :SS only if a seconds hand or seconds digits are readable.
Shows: 3:16
